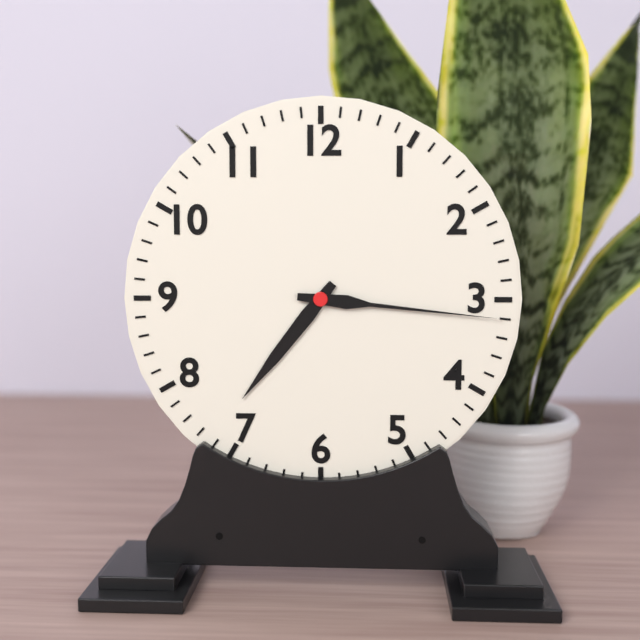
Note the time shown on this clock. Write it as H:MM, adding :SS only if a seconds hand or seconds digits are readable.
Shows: 7:16
